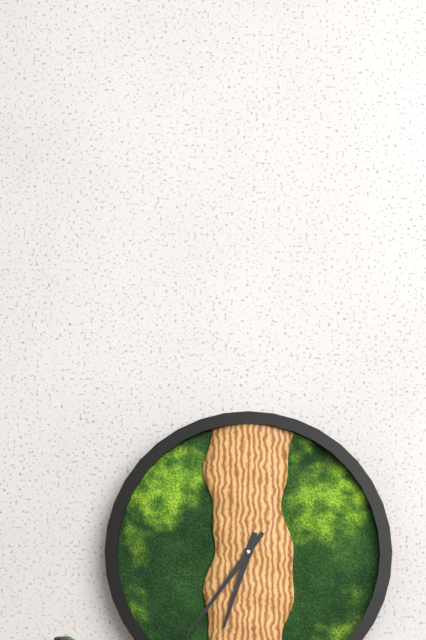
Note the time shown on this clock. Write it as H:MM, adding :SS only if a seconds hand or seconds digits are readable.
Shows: 6:36
